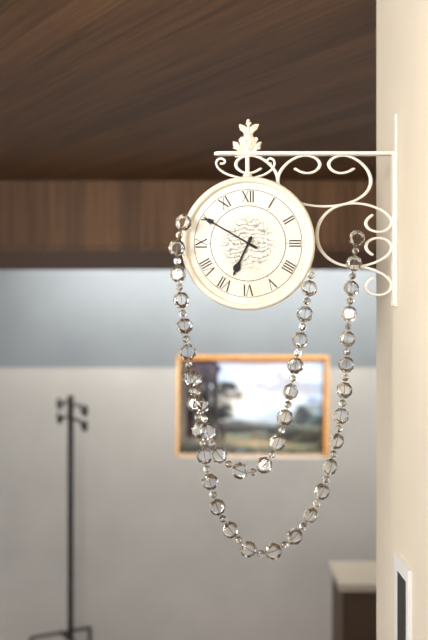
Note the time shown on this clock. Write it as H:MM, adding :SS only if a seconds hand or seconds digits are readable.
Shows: 6:50
